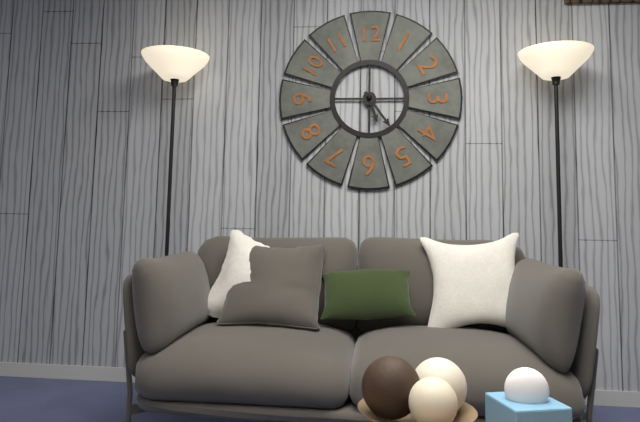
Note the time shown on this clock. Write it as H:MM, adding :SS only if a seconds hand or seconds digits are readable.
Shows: 5:24
